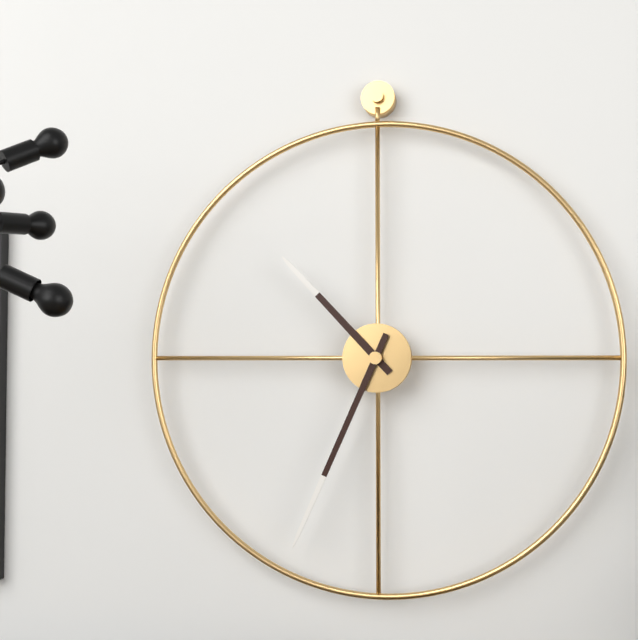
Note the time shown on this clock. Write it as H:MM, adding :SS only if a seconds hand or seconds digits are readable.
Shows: 10:34
